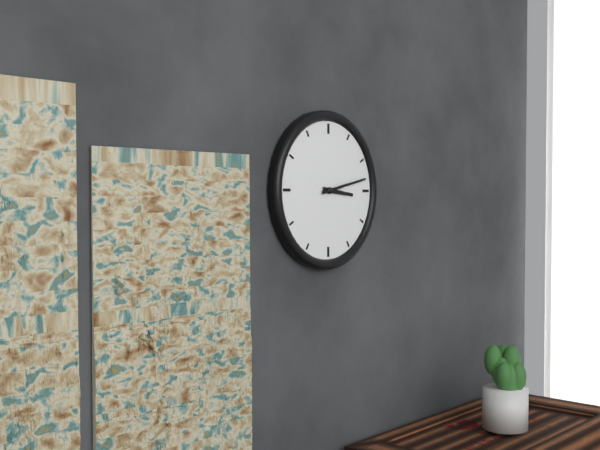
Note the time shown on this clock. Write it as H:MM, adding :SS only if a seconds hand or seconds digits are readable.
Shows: 3:13
